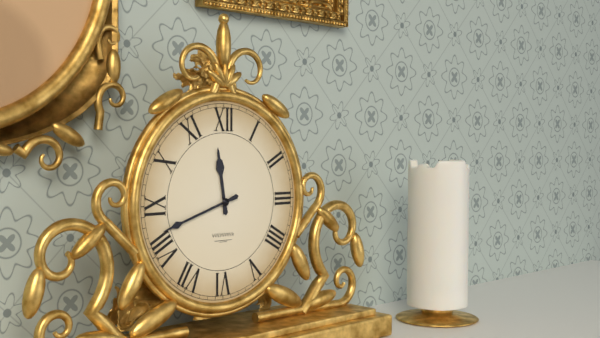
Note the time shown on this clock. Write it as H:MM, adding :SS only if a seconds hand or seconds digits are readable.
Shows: 11:42
